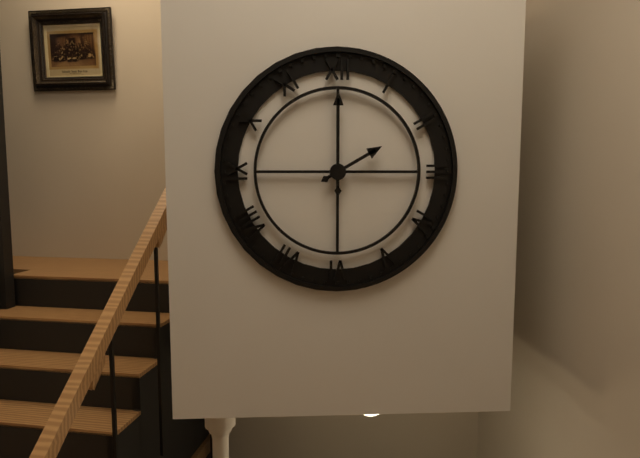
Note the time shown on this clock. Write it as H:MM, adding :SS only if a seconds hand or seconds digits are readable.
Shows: 2:00
